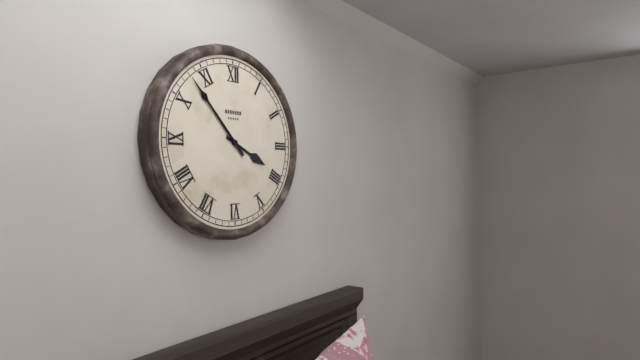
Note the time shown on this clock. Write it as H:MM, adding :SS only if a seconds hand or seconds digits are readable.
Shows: 3:53
